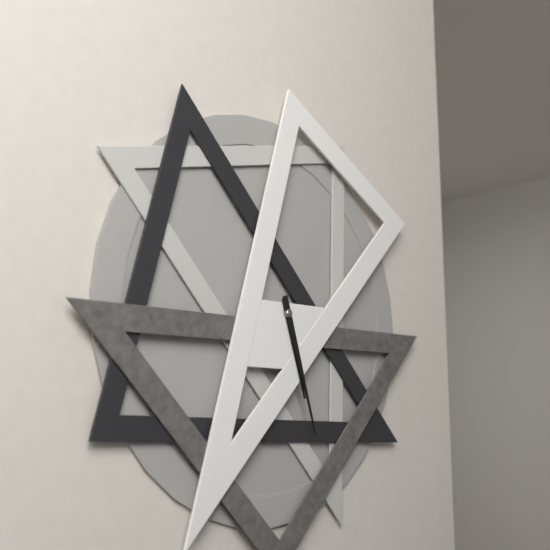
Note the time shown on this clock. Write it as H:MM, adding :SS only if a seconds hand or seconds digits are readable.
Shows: 5:27
